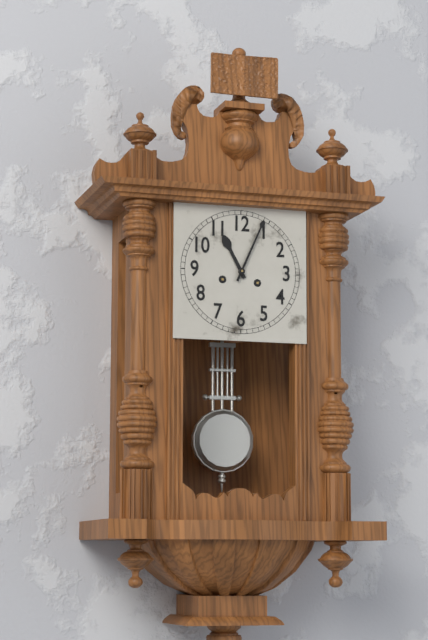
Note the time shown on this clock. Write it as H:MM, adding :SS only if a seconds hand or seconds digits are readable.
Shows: 11:04
